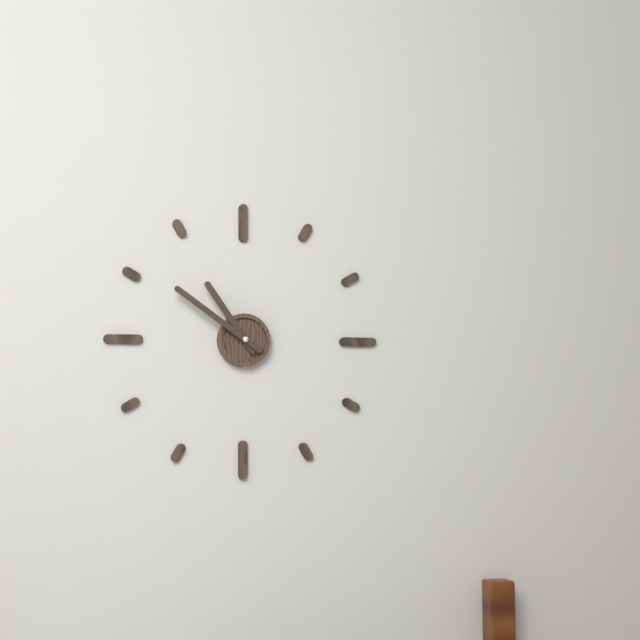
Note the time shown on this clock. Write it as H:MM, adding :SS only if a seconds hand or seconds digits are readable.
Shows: 10:51
